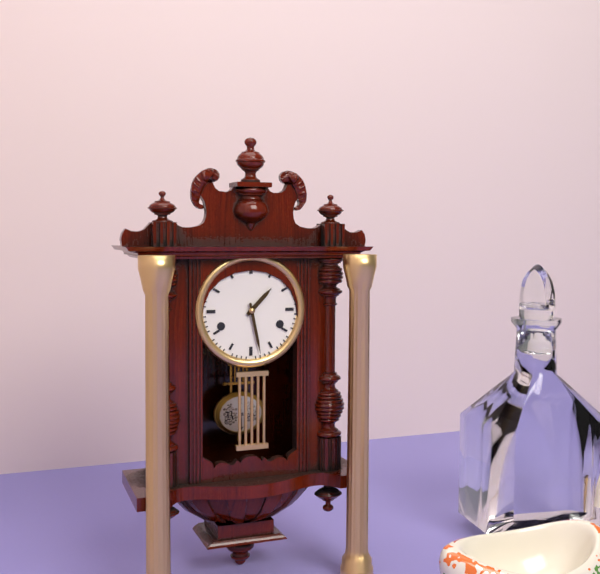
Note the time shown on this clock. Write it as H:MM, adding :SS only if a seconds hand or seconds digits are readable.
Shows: 1:28
